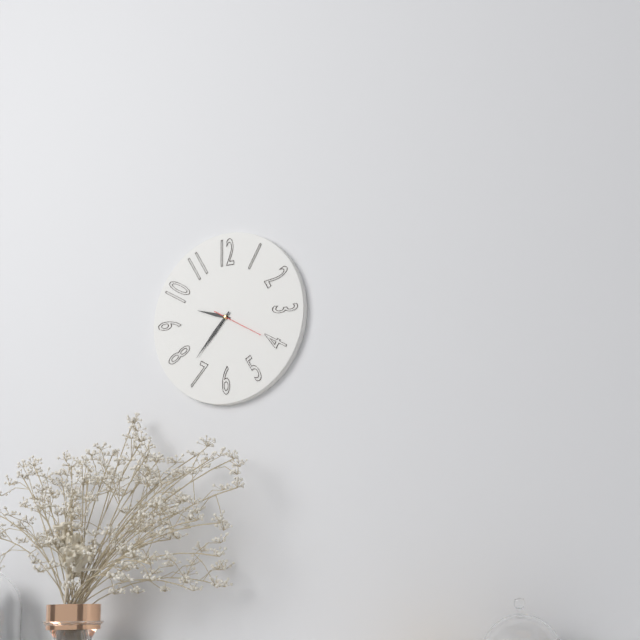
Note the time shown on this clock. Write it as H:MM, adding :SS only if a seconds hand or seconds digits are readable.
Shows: 9:37
